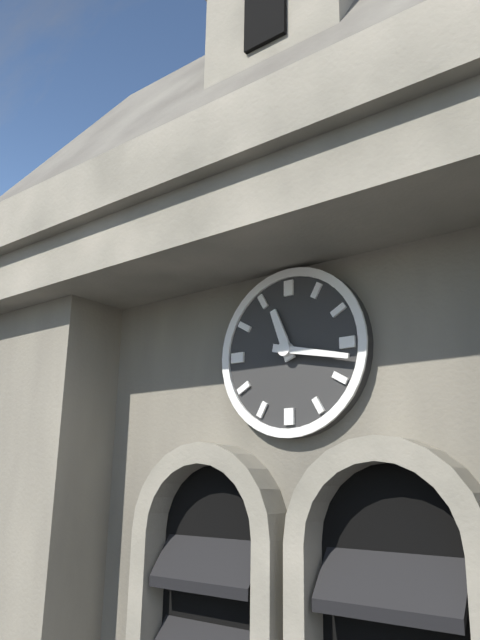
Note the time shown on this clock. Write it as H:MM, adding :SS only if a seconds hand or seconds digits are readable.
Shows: 11:17
